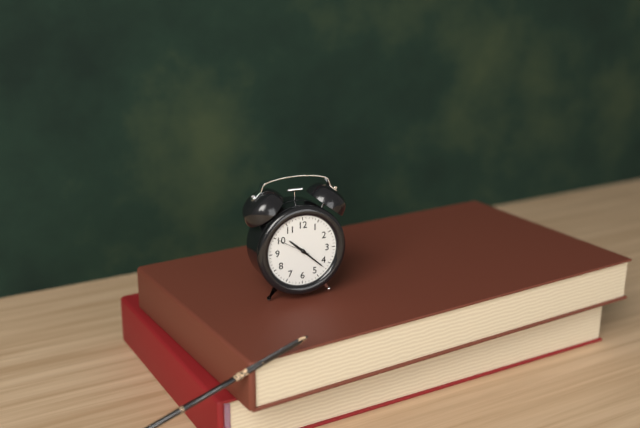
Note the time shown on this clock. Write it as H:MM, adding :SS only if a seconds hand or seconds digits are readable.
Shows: 10:22
